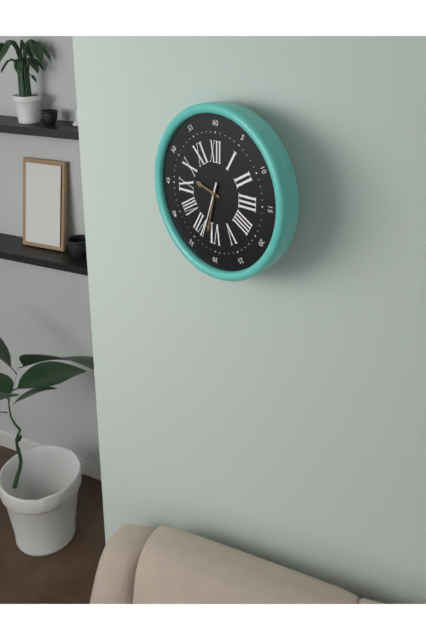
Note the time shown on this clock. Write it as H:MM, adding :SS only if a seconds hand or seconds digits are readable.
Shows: 9:32:33
